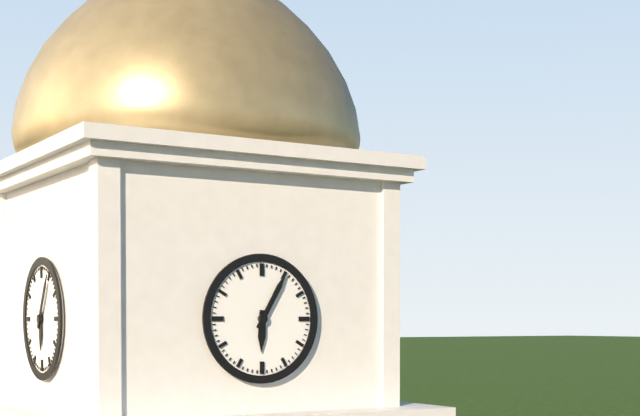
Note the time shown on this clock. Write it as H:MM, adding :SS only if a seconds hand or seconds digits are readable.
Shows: 6:05
